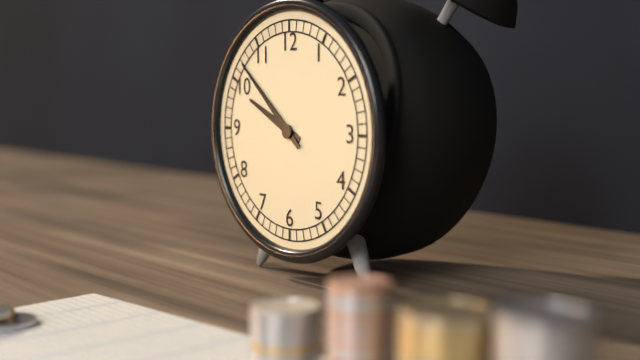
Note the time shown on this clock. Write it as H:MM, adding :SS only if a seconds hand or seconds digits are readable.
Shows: 9:52
